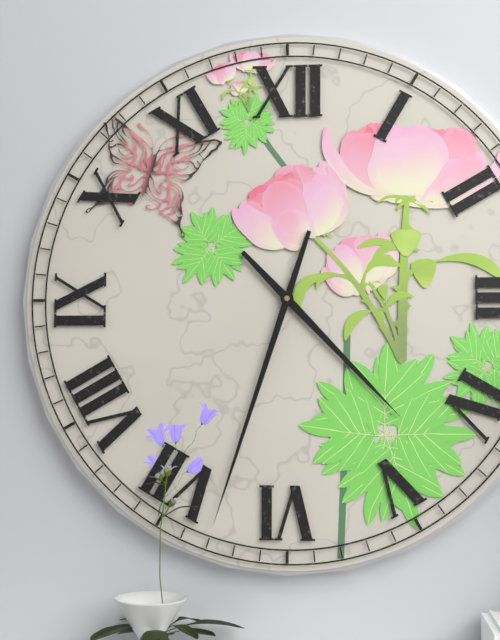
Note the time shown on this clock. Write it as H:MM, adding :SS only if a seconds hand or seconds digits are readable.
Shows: 4:33
